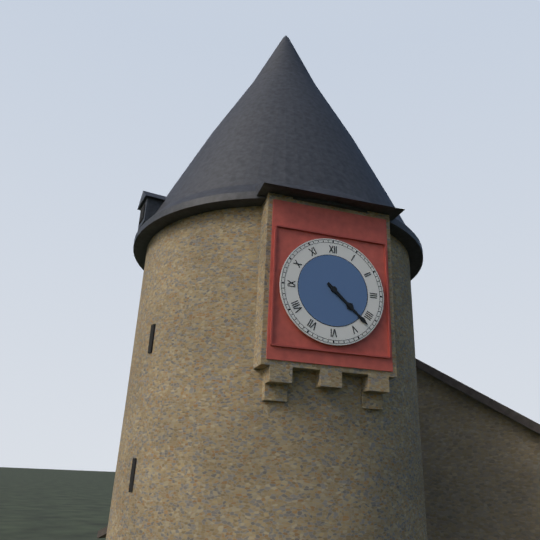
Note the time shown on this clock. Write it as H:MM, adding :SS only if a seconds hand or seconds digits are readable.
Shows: 4:22
